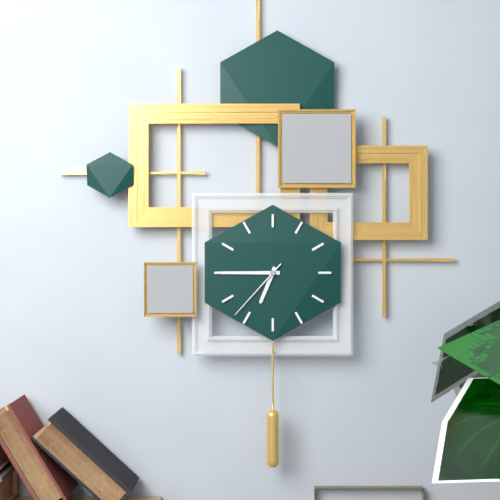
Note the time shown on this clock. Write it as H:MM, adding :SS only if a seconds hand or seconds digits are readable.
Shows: 6:45:37
